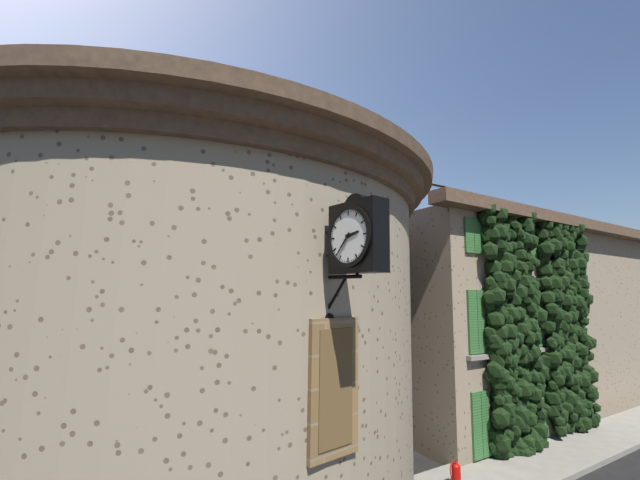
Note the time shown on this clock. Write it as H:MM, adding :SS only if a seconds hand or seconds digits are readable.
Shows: 2:37
